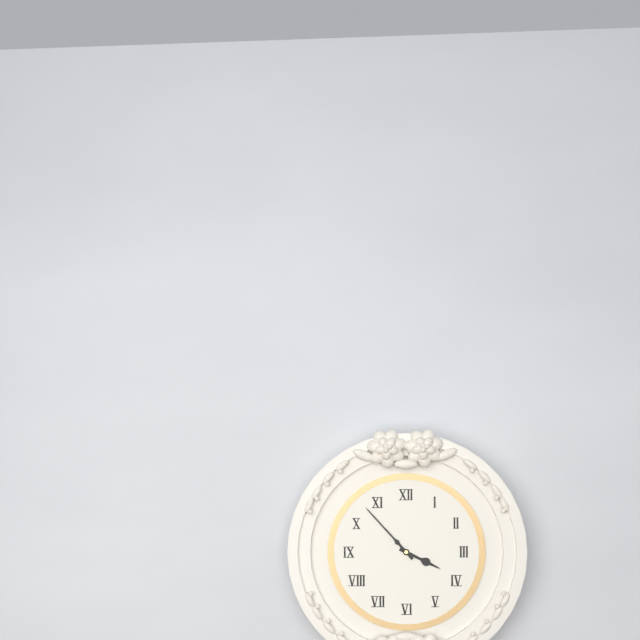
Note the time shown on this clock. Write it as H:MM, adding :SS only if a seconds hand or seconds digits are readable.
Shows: 3:53
